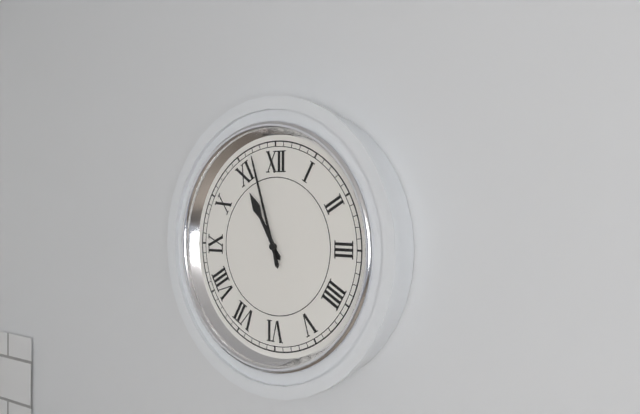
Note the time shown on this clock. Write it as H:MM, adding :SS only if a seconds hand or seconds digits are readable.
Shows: 10:57
